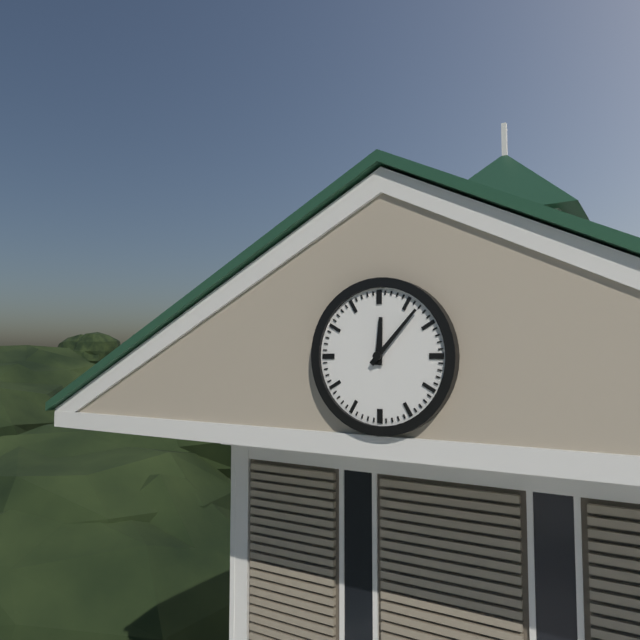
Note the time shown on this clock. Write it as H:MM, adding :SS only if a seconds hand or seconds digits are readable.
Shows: 12:07
